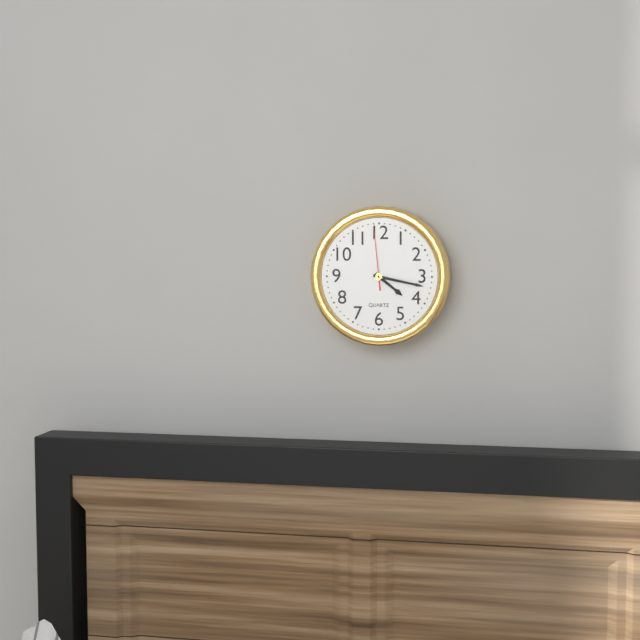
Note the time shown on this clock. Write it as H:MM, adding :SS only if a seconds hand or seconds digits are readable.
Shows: 4:17:59
